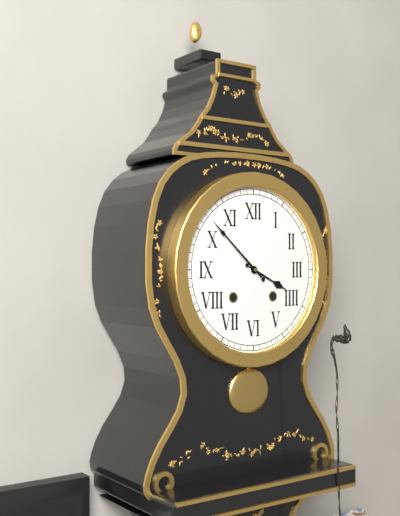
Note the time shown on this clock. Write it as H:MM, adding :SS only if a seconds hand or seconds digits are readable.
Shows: 3:52
